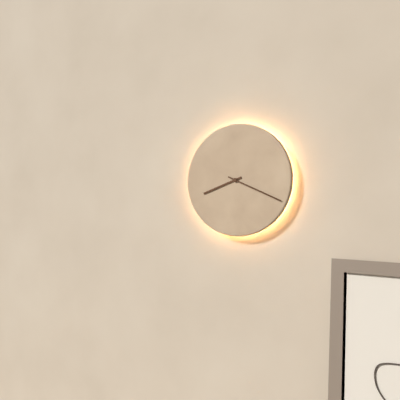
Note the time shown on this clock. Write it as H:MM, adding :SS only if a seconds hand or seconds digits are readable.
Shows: 8:19
